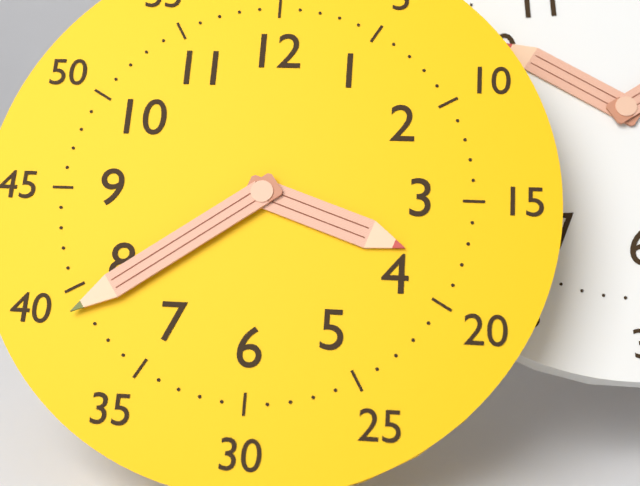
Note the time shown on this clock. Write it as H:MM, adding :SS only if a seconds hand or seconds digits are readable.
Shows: 3:39
